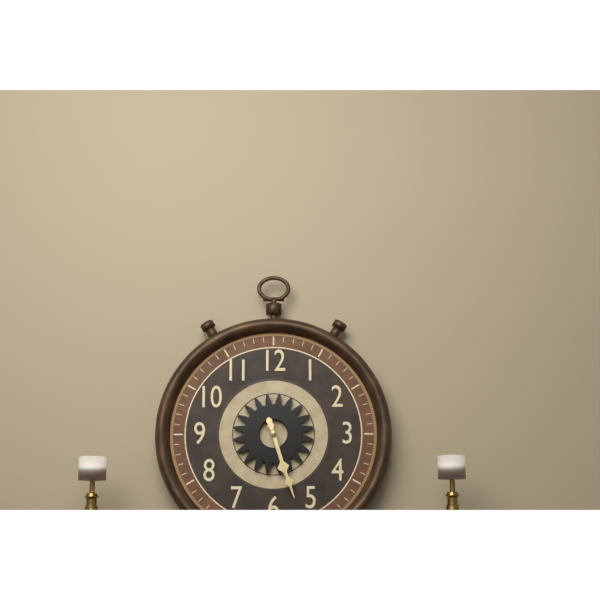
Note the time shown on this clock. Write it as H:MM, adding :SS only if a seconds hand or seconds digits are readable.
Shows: 5:27
